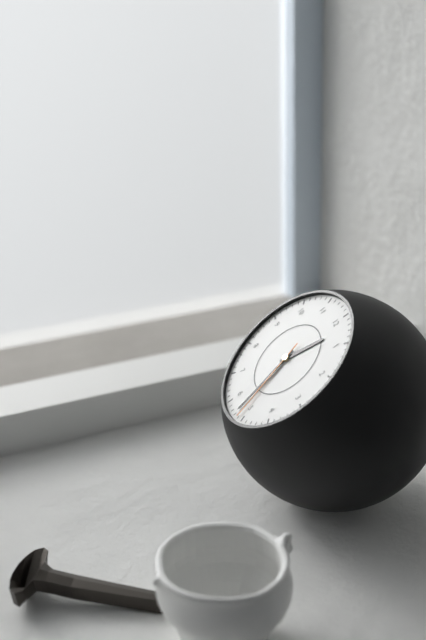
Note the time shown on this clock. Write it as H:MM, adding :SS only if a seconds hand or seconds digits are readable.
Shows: 12:27:26
